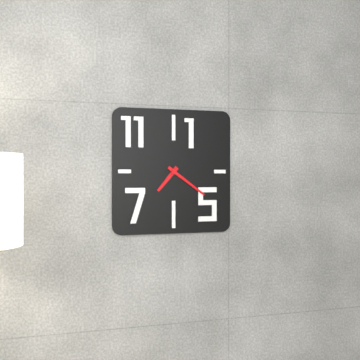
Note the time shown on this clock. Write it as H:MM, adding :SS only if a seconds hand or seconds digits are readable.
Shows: 7:21
